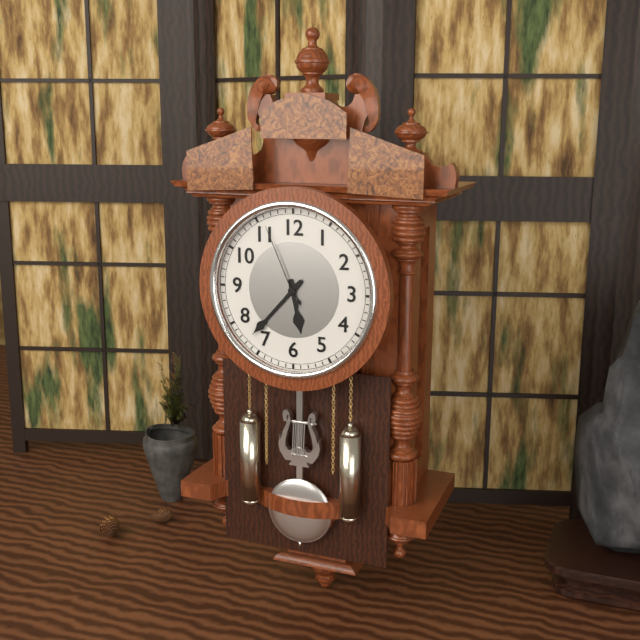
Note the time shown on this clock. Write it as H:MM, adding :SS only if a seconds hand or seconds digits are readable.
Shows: 5:37:56
